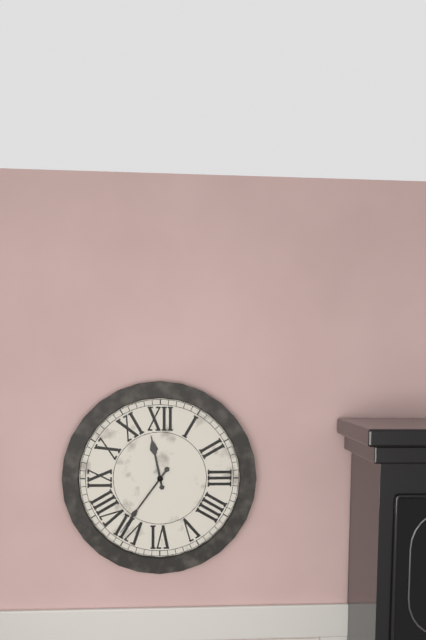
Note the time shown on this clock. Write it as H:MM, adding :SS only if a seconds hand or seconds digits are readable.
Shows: 11:36
